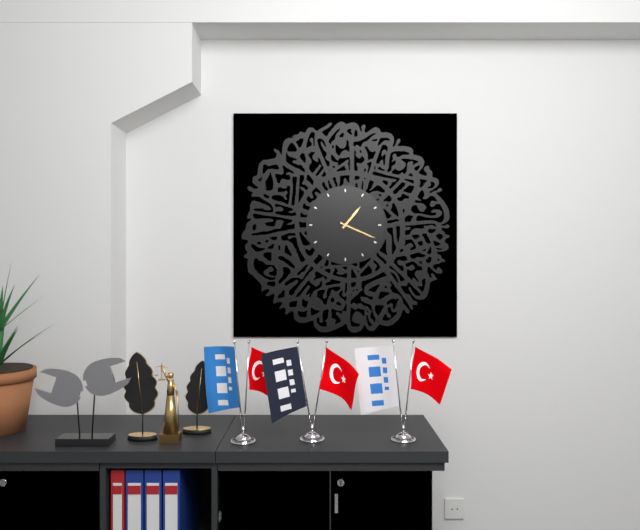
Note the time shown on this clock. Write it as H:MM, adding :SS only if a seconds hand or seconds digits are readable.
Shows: 1:19
